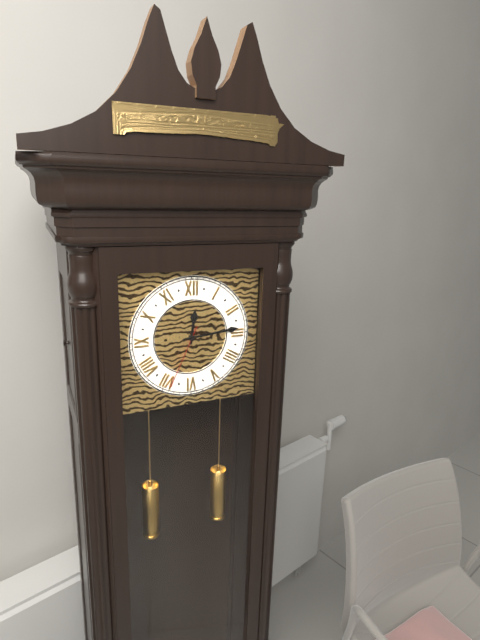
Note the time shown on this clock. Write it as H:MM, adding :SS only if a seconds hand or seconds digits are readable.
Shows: 12:14:34
